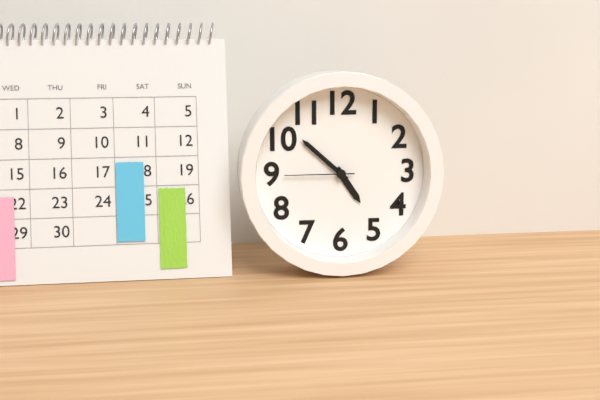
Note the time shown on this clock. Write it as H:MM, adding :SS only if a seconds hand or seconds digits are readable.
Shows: 4:52:45
